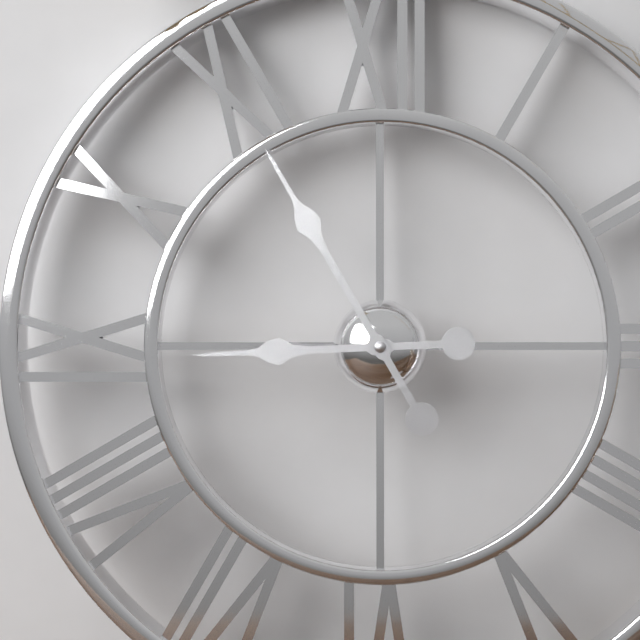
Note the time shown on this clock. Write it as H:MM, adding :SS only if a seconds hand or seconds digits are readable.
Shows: 8:55
